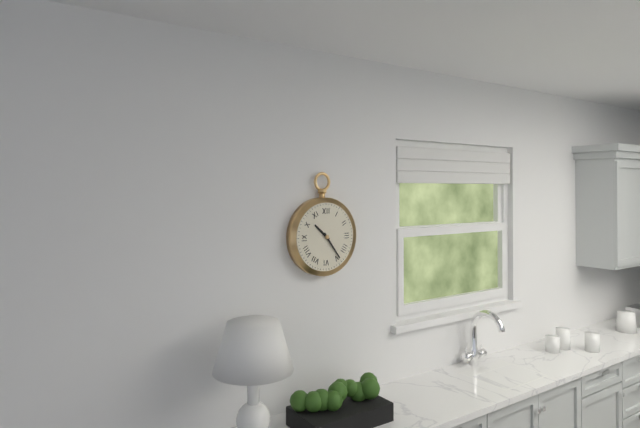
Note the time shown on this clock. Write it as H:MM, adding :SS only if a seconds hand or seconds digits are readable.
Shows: 10:24
